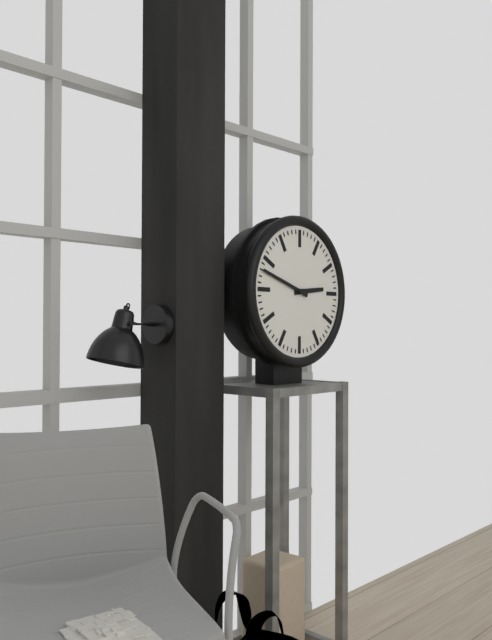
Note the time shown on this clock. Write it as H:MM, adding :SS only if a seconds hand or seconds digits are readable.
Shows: 2:48
